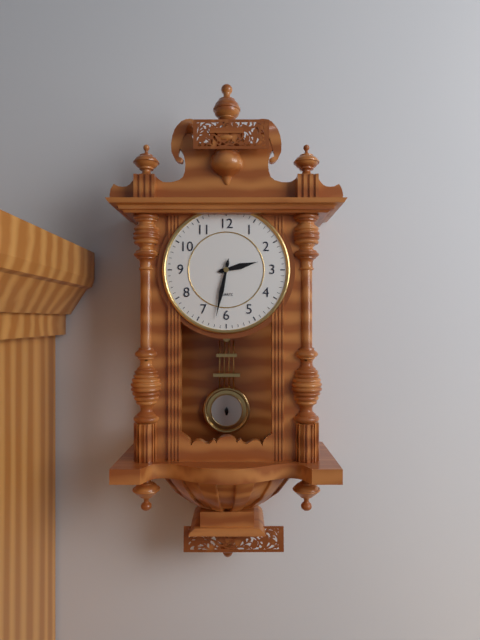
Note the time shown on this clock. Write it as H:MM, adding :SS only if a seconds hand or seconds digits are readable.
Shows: 2:32
